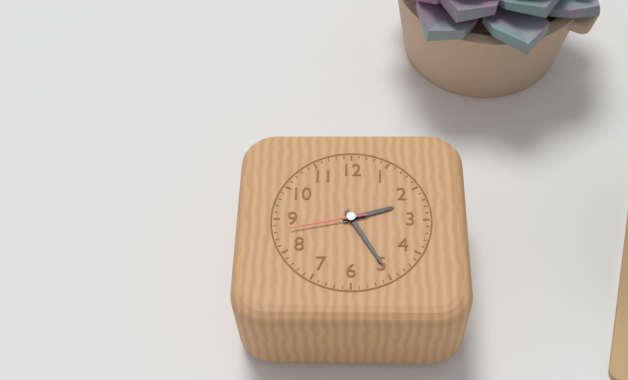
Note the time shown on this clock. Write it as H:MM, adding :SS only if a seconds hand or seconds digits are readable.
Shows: 2:25:43
